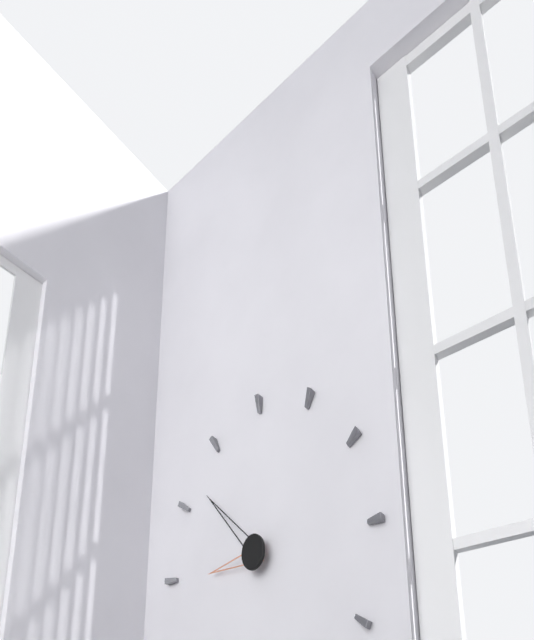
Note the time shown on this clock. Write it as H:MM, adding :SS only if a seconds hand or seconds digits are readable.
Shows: 8:52
